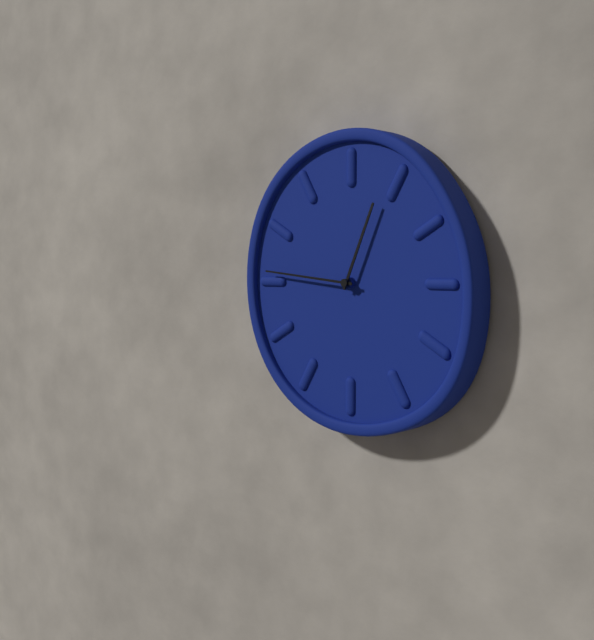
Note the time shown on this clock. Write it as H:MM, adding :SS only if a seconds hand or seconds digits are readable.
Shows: 12:46
